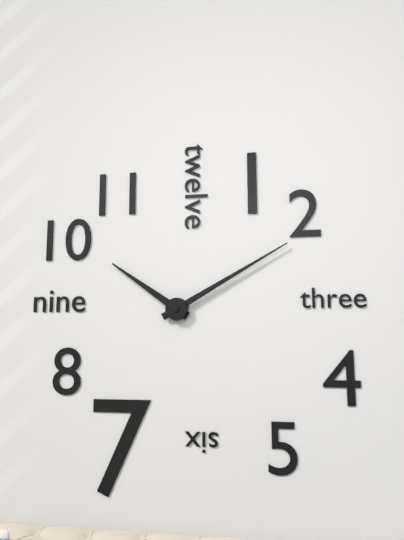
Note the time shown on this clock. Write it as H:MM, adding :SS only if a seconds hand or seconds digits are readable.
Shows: 10:10
